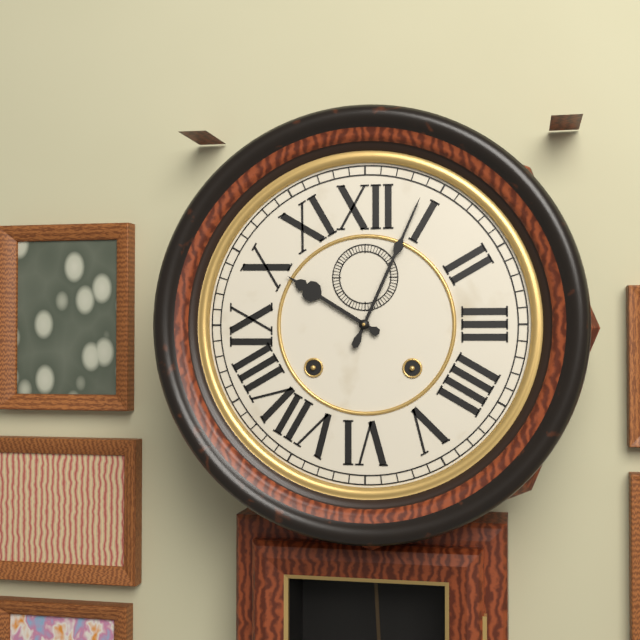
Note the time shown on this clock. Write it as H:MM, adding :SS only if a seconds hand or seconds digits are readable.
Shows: 10:04
